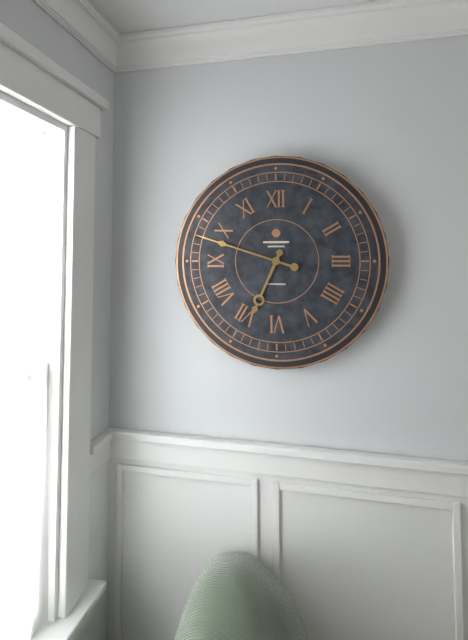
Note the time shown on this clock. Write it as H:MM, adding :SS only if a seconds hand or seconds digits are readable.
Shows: 6:48
